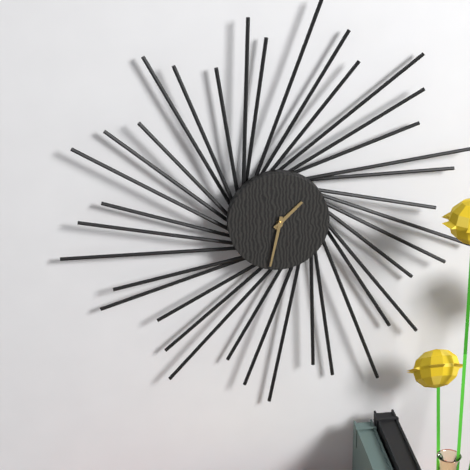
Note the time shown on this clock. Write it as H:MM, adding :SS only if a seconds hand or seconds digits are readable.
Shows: 1:32
